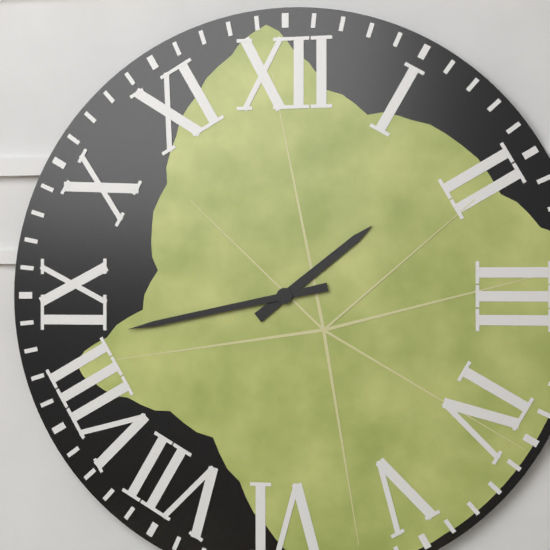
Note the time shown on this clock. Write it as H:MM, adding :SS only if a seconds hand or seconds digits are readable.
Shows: 1:43
